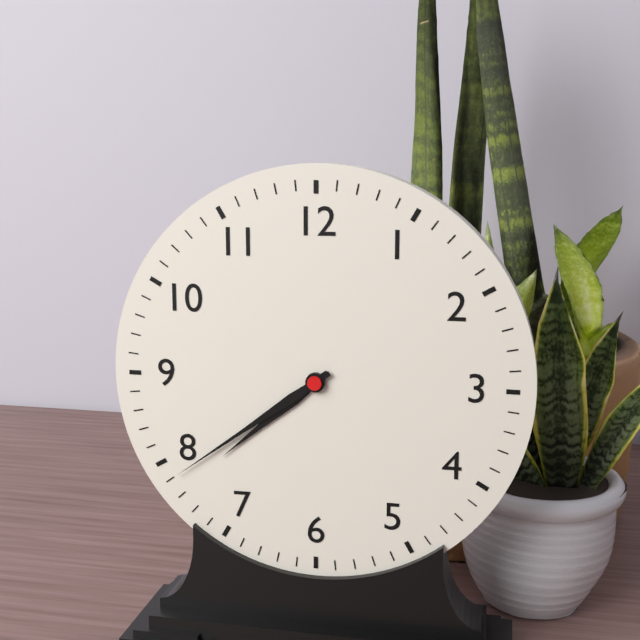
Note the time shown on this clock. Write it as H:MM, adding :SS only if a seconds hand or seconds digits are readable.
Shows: 7:39
